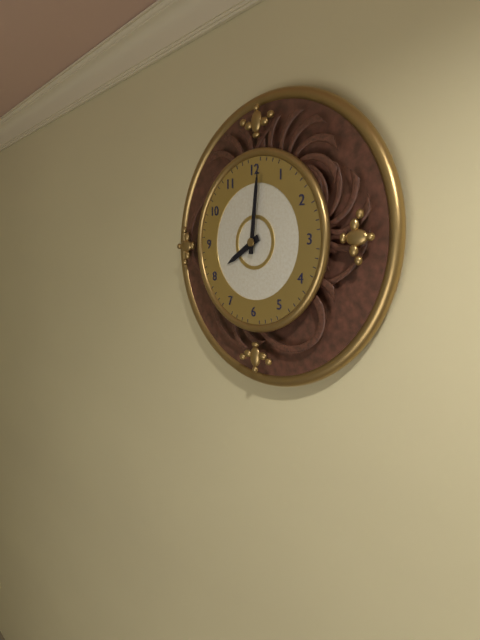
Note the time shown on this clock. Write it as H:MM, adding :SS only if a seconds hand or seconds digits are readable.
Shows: 8:01
